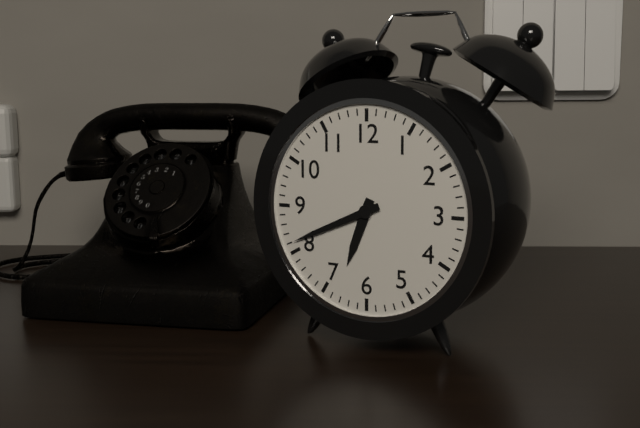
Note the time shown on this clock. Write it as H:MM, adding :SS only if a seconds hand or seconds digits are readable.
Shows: 6:41
